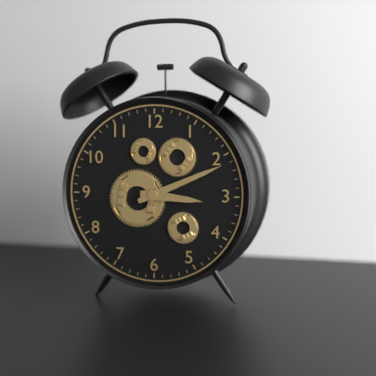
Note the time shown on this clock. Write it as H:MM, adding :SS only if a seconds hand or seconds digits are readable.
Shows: 3:11
